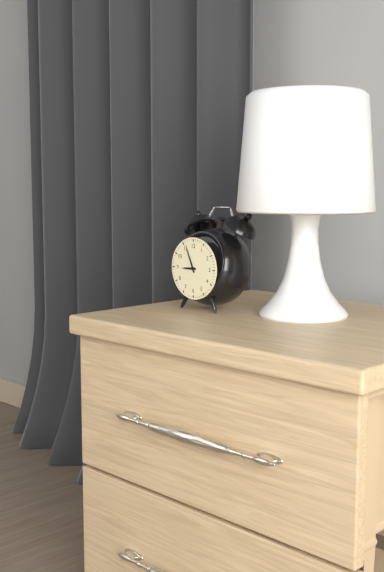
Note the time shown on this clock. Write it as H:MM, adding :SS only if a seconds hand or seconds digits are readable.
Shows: 8:56
